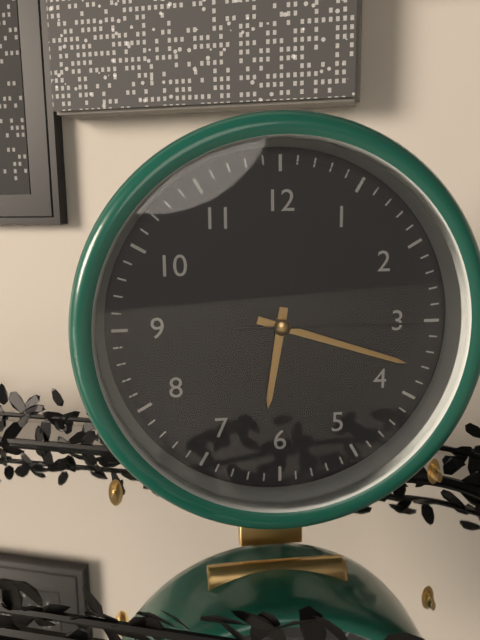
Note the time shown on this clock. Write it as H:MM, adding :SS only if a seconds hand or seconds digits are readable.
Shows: 6:18:15
